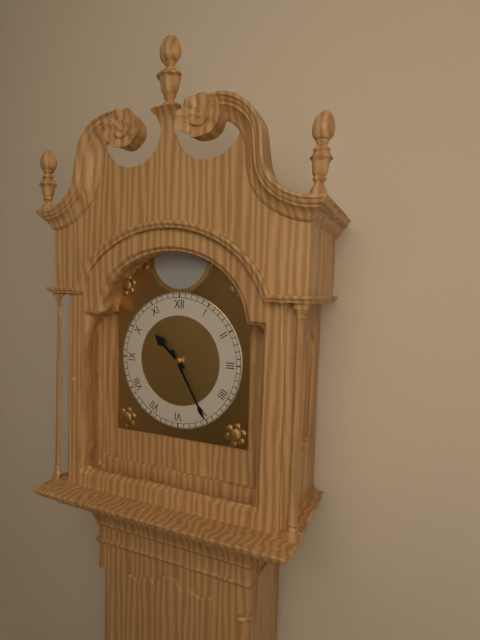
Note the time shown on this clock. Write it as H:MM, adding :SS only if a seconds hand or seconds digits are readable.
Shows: 10:25
